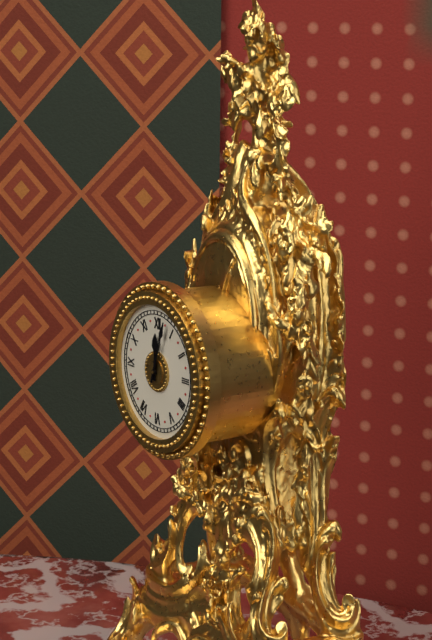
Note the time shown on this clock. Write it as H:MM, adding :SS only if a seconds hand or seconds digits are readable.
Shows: 12:03
